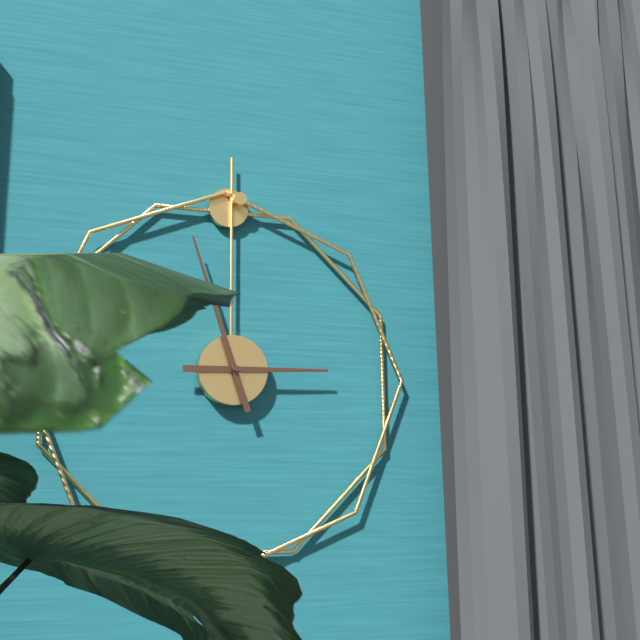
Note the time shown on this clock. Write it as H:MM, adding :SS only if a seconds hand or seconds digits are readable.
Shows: 2:57
